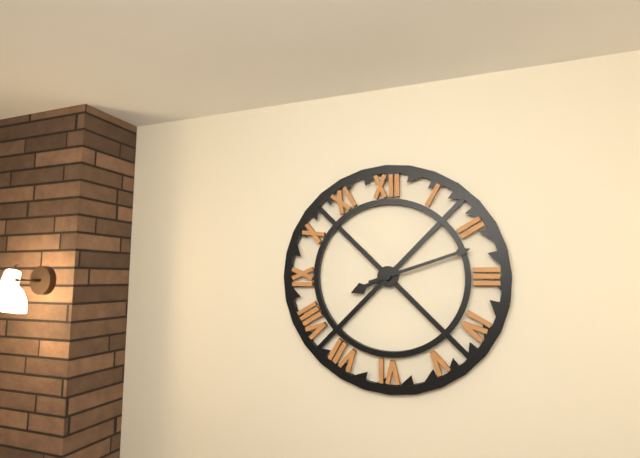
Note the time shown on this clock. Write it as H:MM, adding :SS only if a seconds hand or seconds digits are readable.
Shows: 8:12
